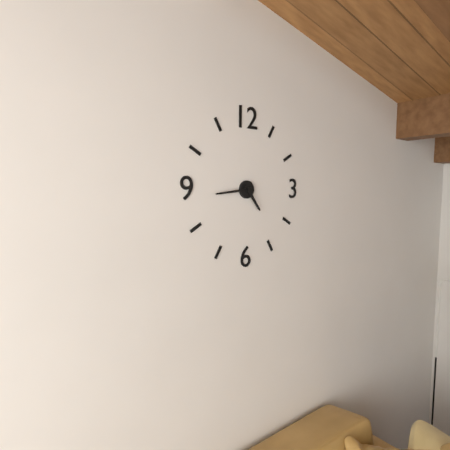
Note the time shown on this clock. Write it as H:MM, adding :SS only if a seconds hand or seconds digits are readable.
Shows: 4:44
